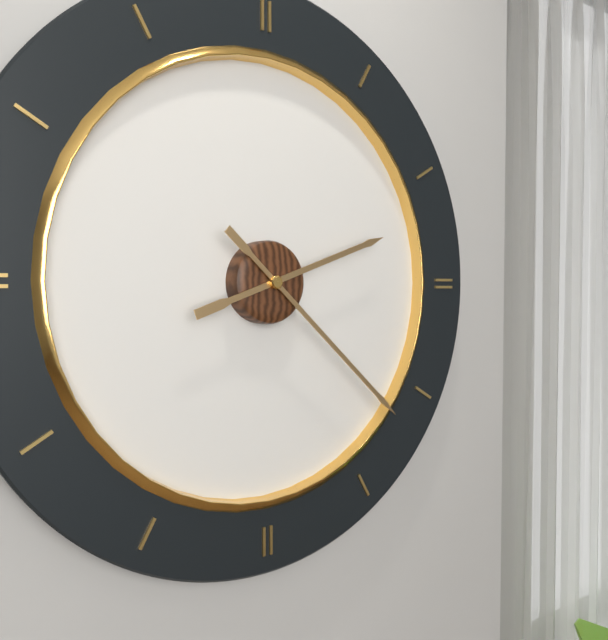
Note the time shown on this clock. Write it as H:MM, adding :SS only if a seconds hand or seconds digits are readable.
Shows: 2:22
